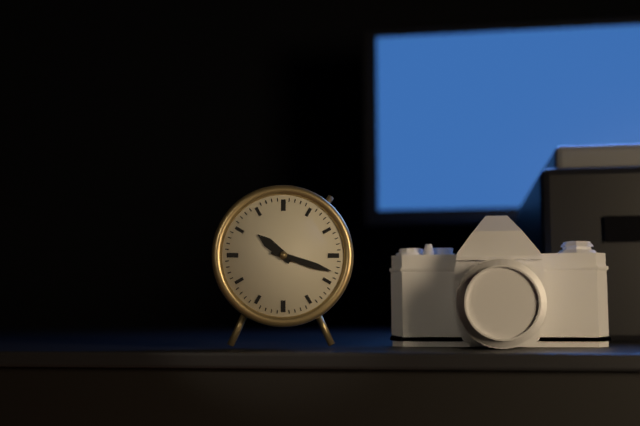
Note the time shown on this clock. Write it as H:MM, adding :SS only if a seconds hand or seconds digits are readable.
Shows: 10:18
